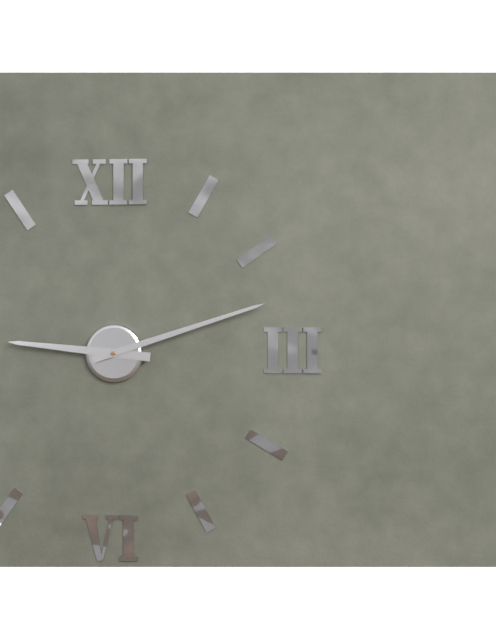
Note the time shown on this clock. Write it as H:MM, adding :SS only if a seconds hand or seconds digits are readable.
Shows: 9:12
